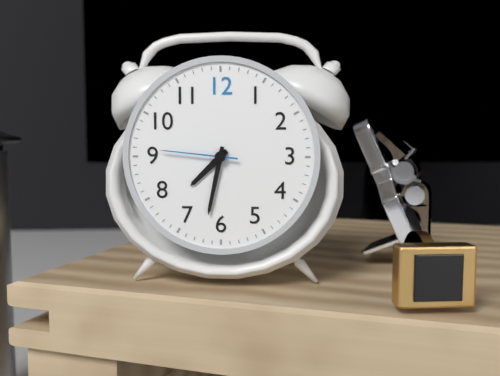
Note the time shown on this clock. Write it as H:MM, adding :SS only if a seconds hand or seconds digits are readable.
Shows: 7:32:46
